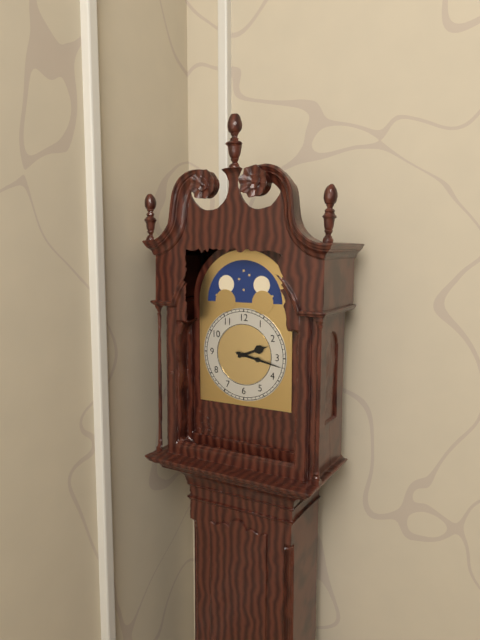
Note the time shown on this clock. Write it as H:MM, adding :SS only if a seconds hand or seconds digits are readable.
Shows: 2:17
